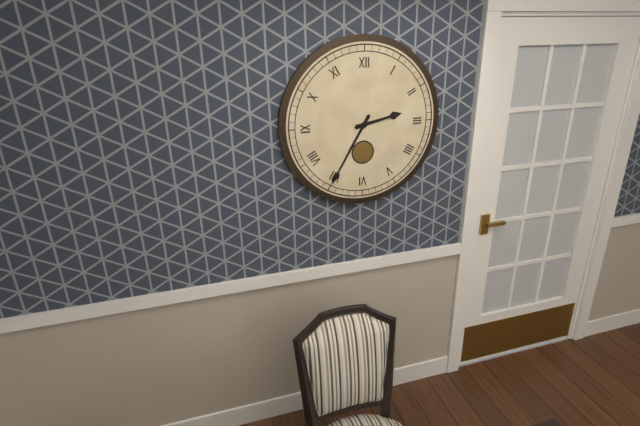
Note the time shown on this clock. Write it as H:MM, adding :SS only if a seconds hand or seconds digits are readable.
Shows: 2:35
